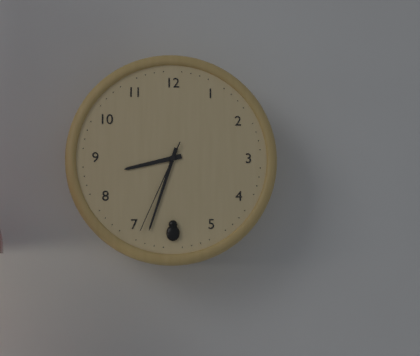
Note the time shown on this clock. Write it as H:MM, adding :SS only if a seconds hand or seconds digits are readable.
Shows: 8:33:34
